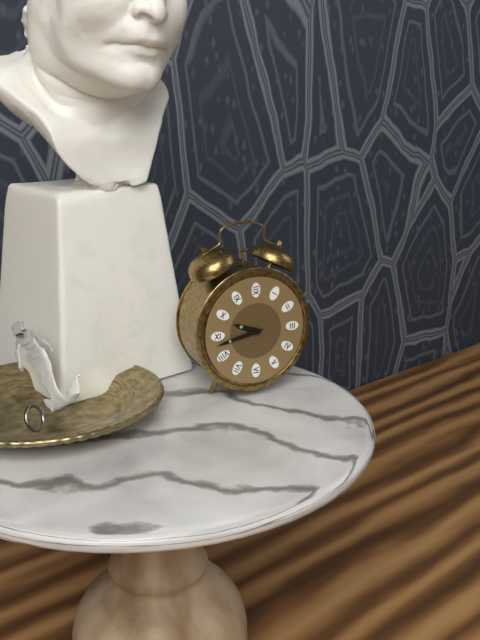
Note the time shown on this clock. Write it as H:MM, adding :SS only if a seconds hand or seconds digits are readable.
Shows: 9:43
